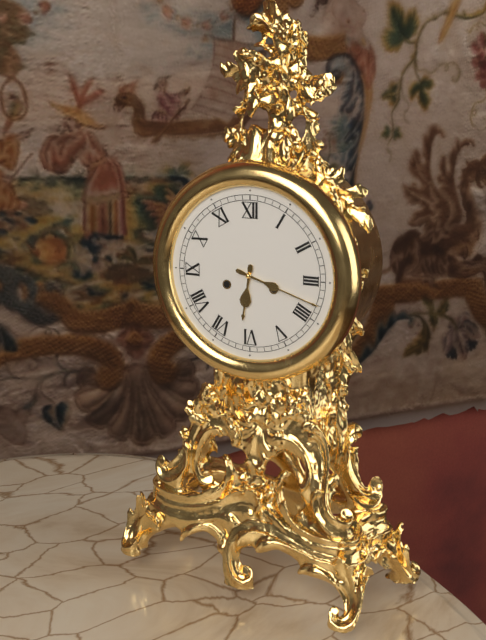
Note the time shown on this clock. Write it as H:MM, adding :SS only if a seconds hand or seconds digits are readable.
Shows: 6:18
